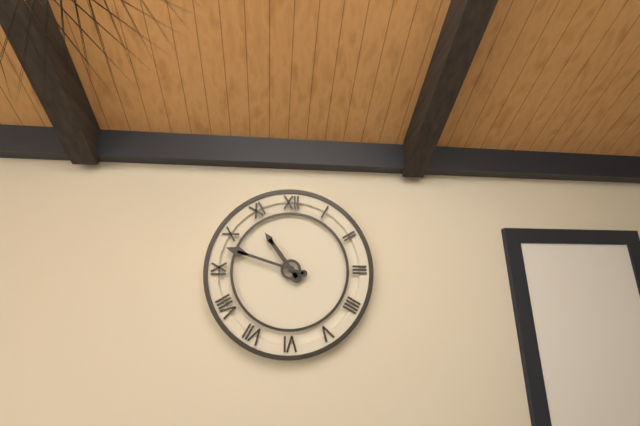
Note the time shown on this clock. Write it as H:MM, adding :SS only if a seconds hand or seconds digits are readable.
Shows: 10:48
